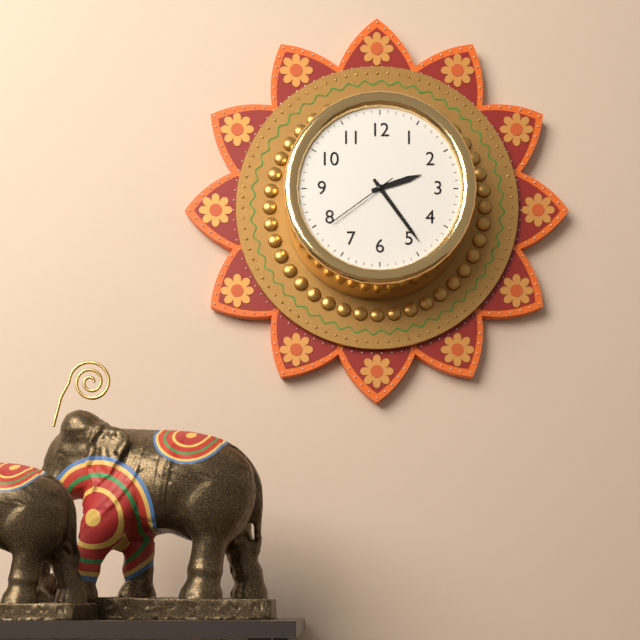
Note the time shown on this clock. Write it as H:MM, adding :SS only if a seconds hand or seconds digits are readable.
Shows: 2:24:39
